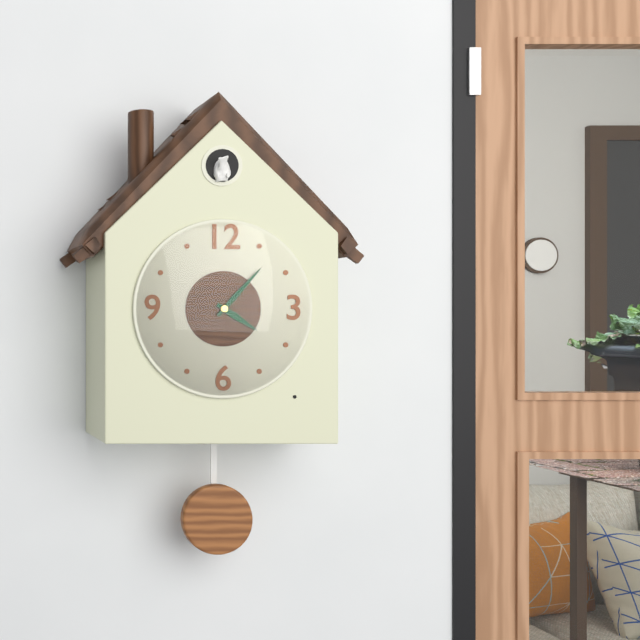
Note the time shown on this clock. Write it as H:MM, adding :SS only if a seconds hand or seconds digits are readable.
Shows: 4:07
